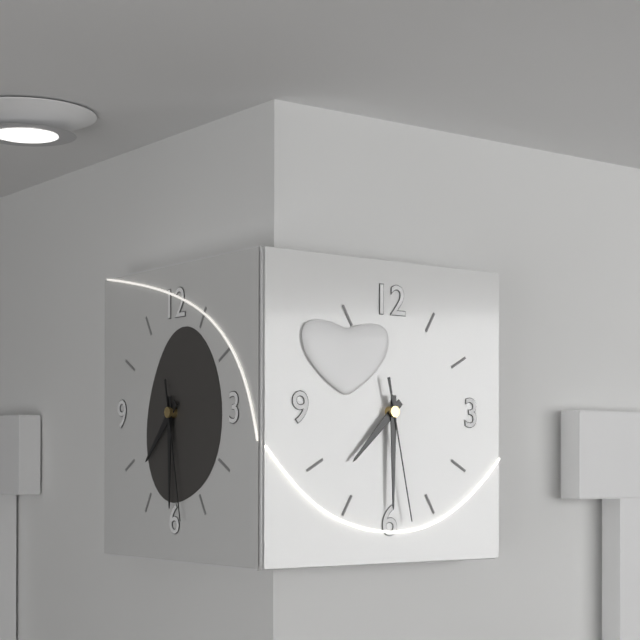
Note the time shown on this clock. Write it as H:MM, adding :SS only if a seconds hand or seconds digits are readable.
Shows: 7:30:28
